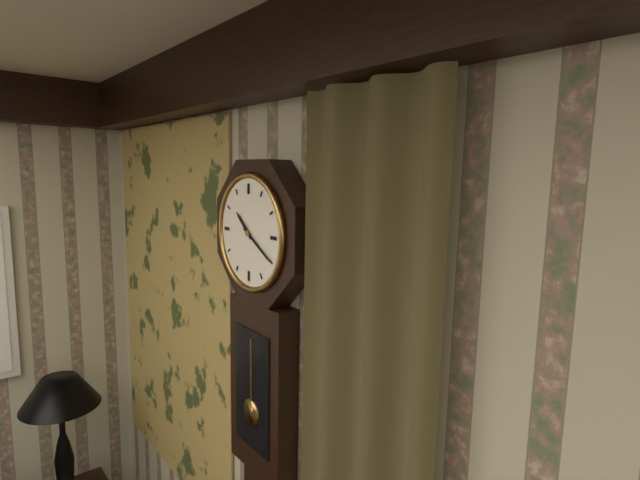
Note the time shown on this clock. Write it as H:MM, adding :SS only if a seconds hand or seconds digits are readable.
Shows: 10:20
